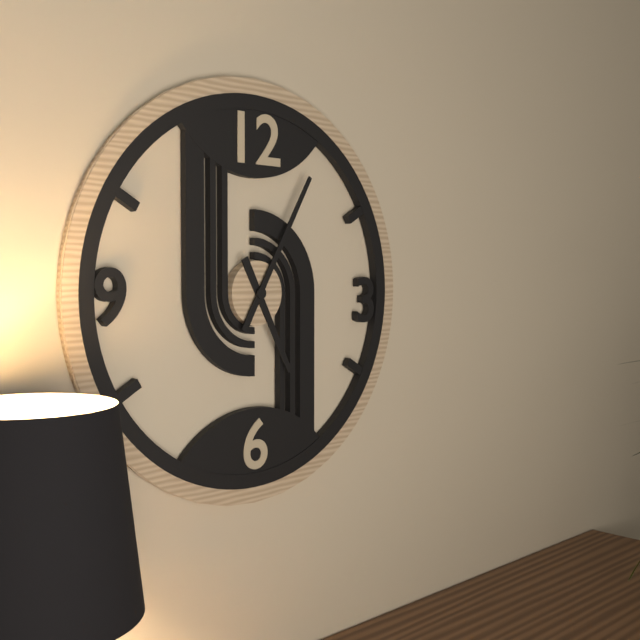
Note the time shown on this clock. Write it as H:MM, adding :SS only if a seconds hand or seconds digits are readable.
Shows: 5:05
